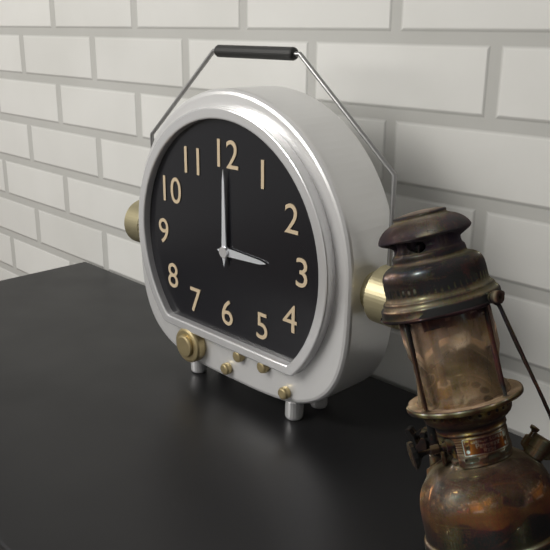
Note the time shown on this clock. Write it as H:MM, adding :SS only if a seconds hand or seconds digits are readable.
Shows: 3:00
